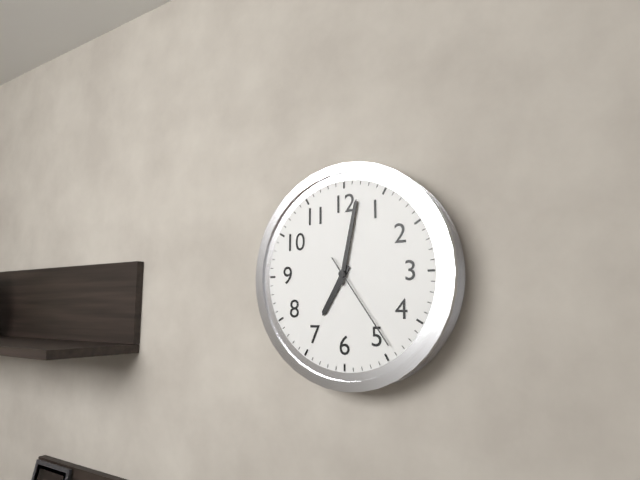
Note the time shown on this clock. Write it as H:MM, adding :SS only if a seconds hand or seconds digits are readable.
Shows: 7:02:24
